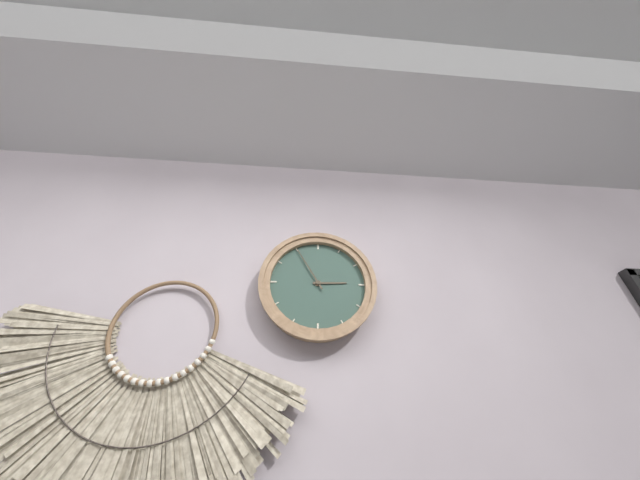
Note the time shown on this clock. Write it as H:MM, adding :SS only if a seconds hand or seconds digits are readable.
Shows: 2:55
